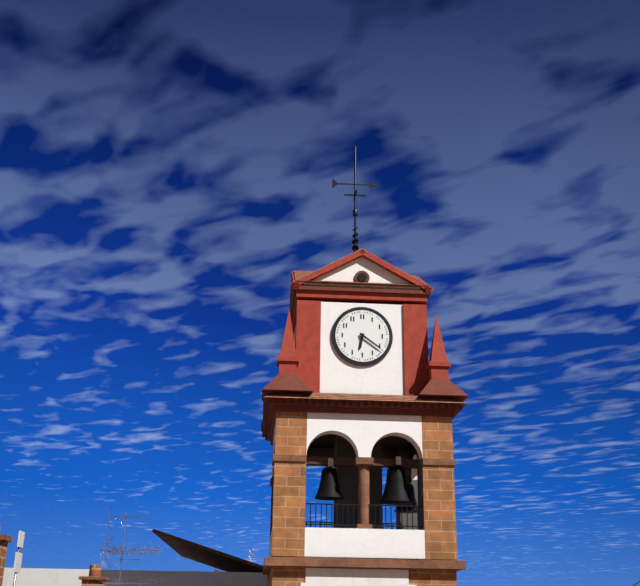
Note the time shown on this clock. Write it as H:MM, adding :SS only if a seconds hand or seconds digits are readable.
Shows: 6:21
